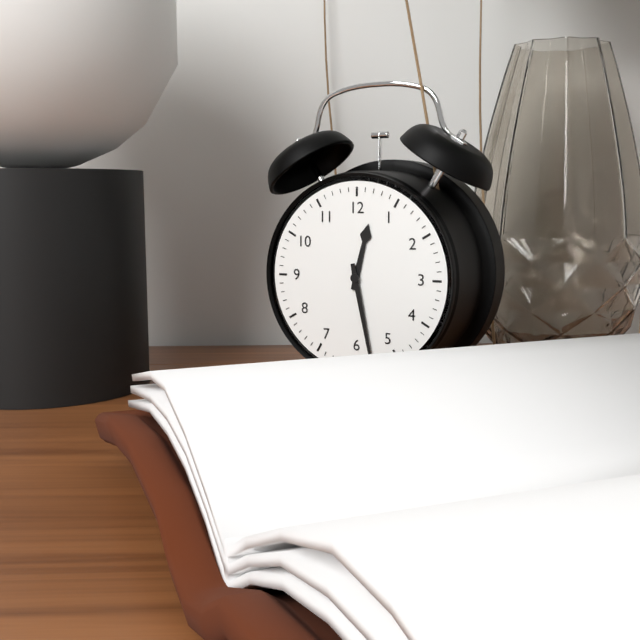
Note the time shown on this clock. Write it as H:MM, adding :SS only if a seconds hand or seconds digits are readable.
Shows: 12:28
